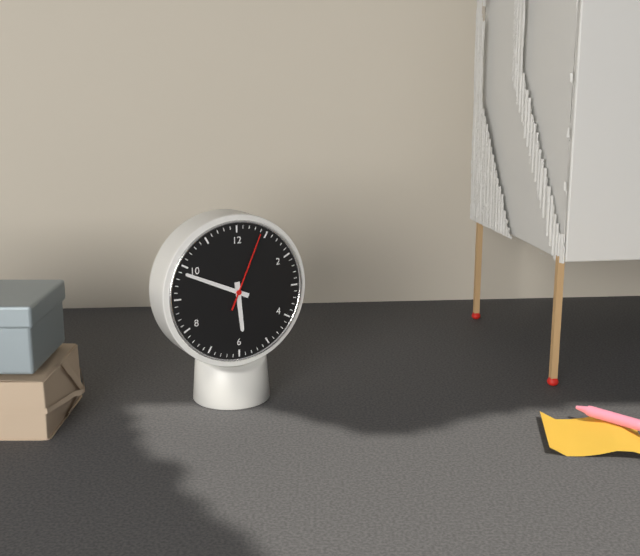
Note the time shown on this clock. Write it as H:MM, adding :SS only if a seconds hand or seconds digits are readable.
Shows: 5:49:04
